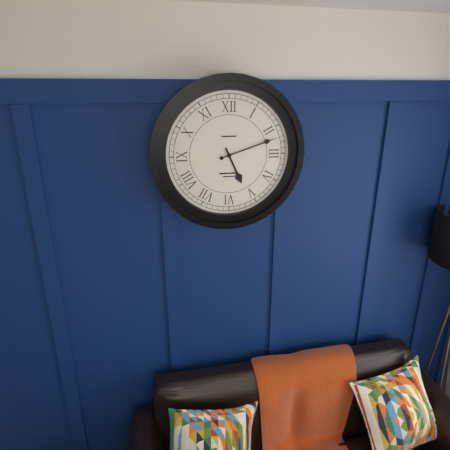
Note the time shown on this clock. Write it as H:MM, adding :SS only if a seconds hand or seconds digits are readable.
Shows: 5:12
